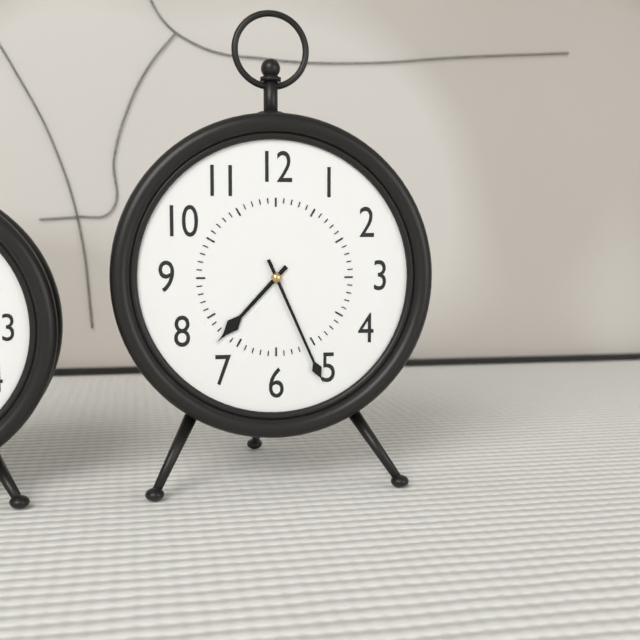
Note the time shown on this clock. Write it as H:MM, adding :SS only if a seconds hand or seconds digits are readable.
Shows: 7:26
